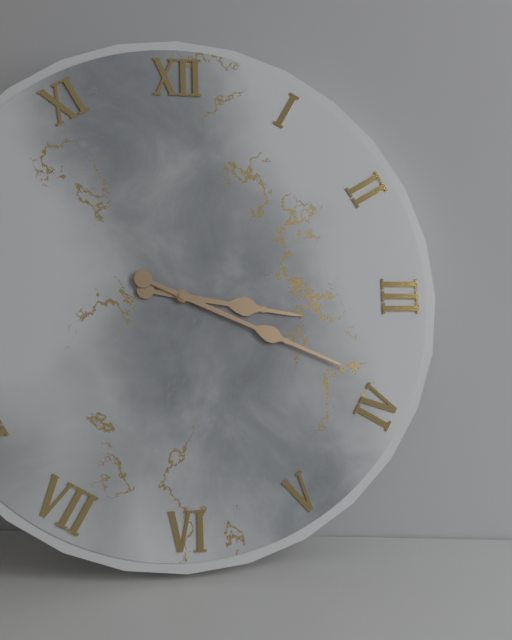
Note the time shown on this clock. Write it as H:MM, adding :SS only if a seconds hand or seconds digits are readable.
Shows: 3:19
